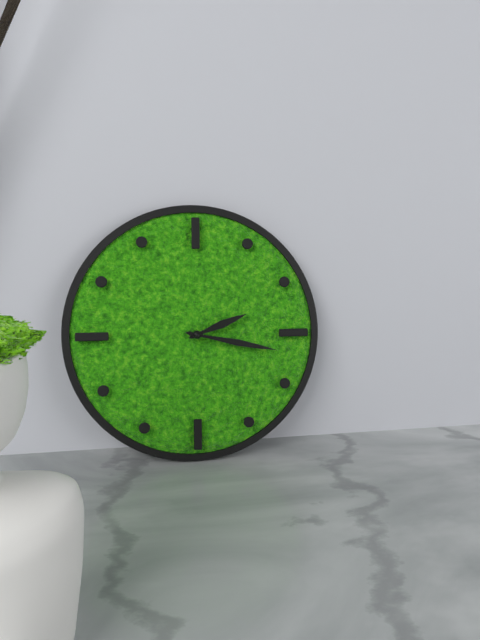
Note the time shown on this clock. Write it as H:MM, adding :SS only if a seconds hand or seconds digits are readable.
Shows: 2:17
